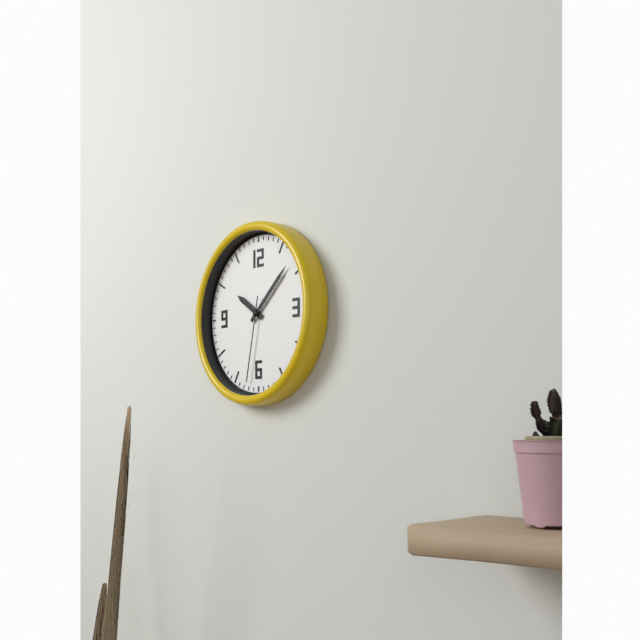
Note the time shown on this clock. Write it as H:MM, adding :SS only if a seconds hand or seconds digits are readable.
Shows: 10:08:32
